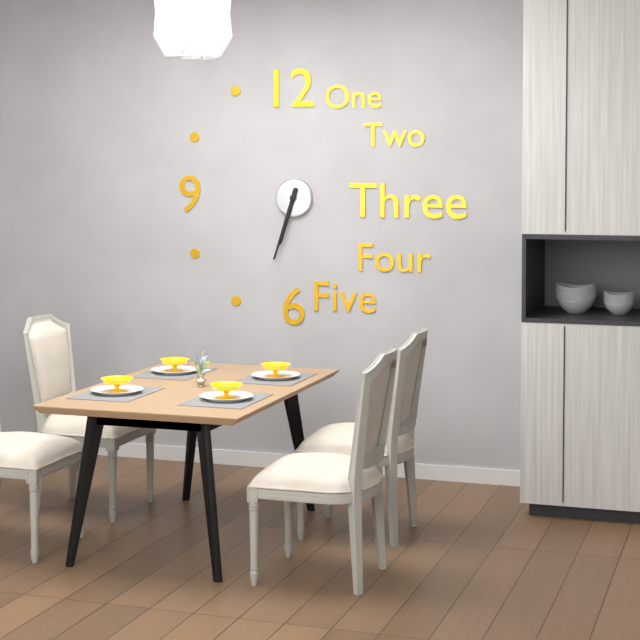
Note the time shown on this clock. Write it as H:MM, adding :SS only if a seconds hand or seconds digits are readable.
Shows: 6:33
